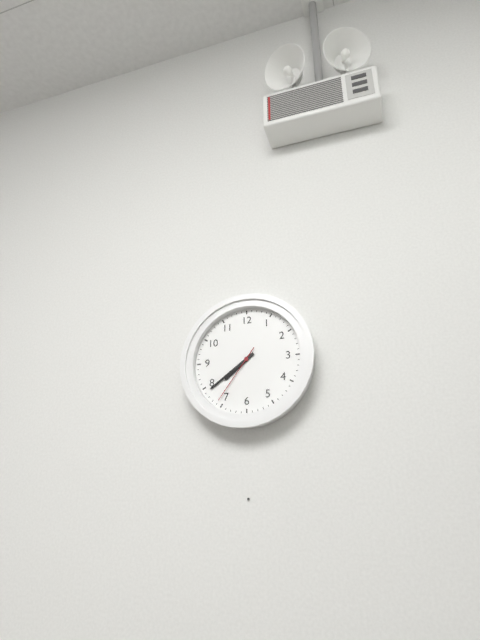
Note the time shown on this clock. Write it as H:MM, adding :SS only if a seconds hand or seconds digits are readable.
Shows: 7:39:36
